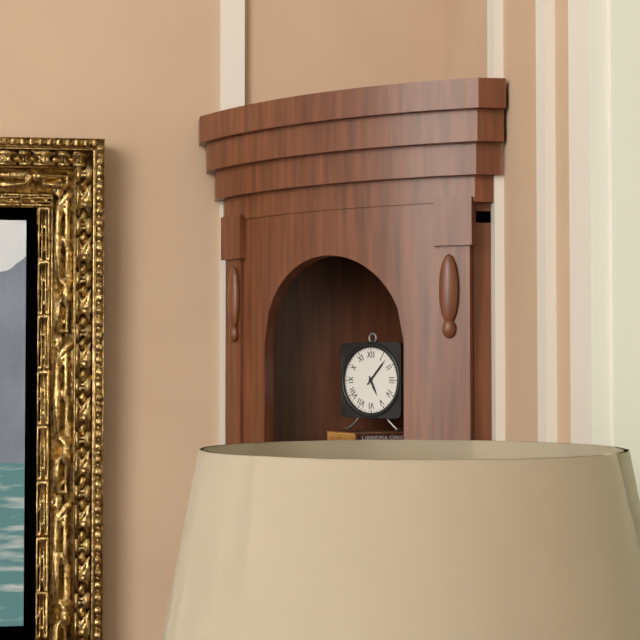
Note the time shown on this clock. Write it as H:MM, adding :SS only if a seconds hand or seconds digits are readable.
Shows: 5:07
